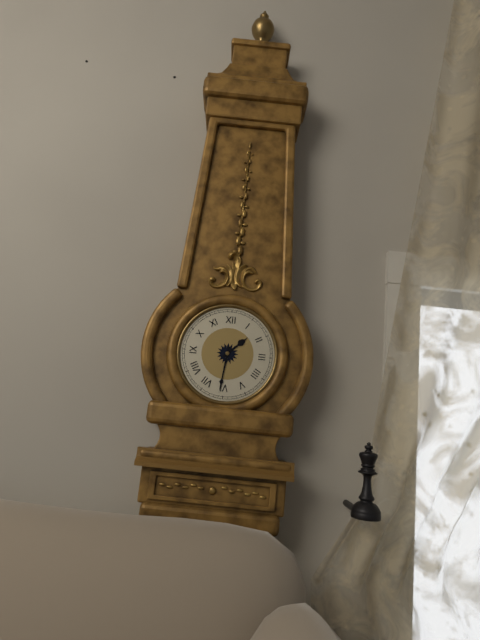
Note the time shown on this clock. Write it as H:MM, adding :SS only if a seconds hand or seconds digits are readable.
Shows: 1:31
